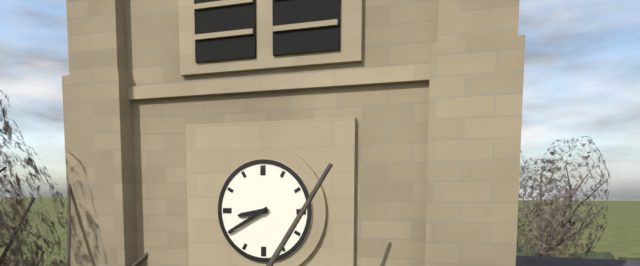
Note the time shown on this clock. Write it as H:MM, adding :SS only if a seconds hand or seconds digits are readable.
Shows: 8:40
